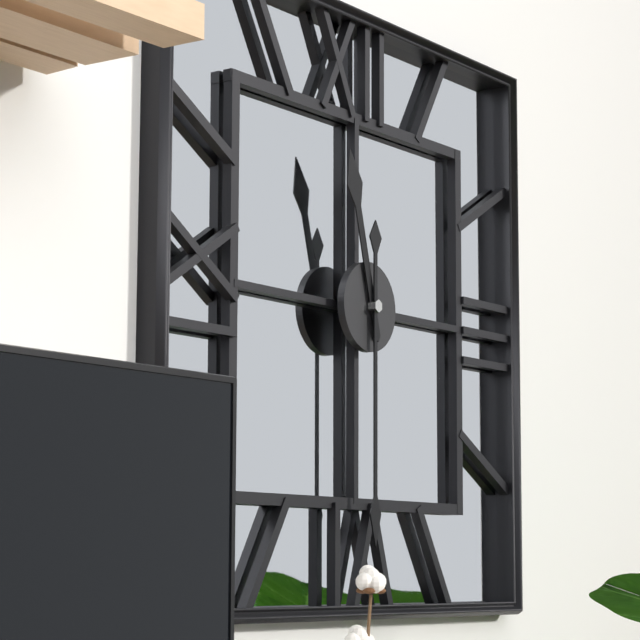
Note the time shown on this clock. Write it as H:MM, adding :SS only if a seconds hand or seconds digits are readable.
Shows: 11:30
